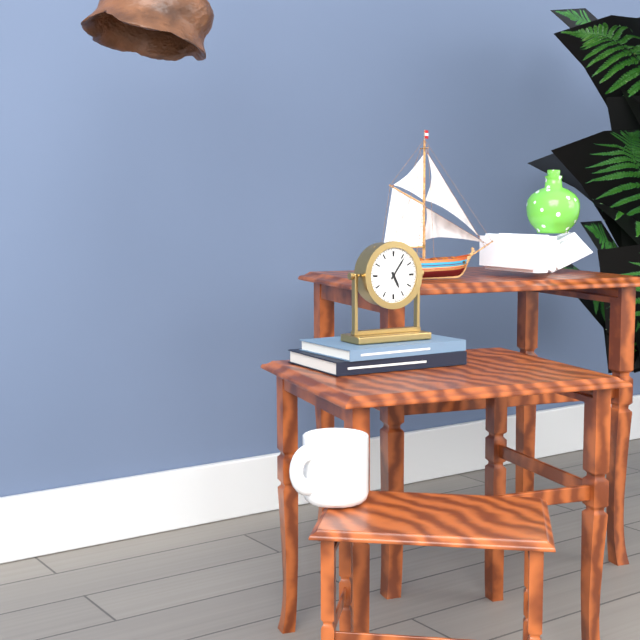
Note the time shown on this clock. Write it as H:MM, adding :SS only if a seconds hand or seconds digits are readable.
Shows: 5:06
